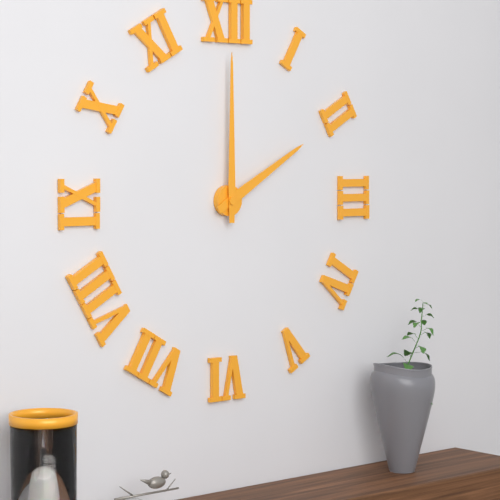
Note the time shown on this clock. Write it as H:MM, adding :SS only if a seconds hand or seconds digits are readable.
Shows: 2:00
